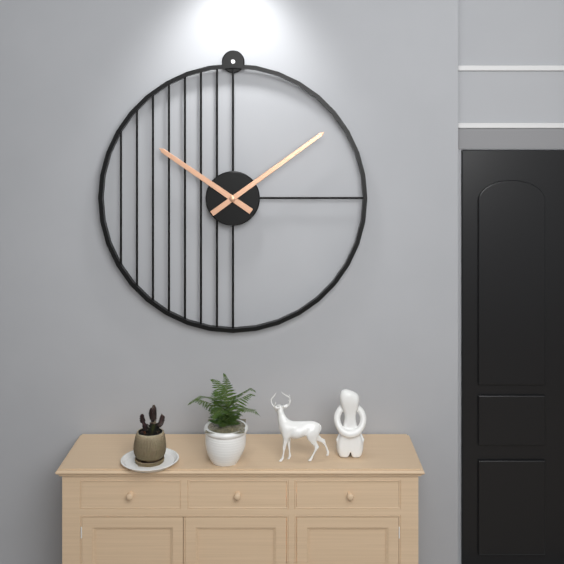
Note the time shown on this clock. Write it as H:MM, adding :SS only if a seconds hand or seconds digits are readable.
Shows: 10:09
